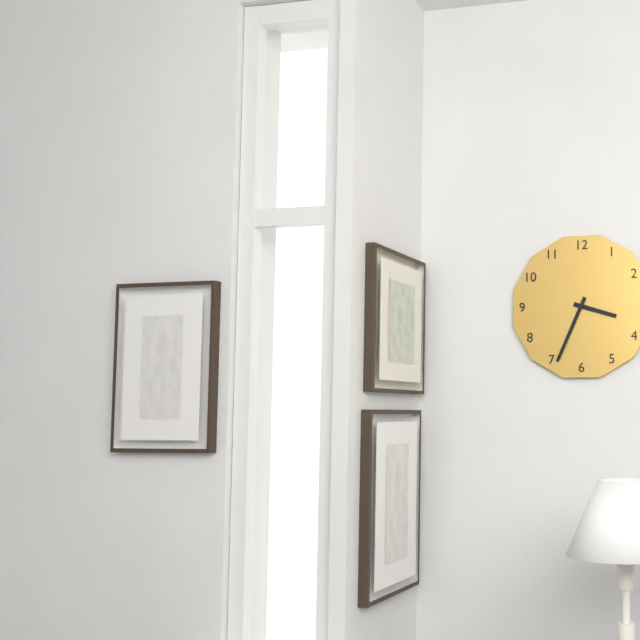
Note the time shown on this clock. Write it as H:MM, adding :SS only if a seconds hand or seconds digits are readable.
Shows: 3:34
